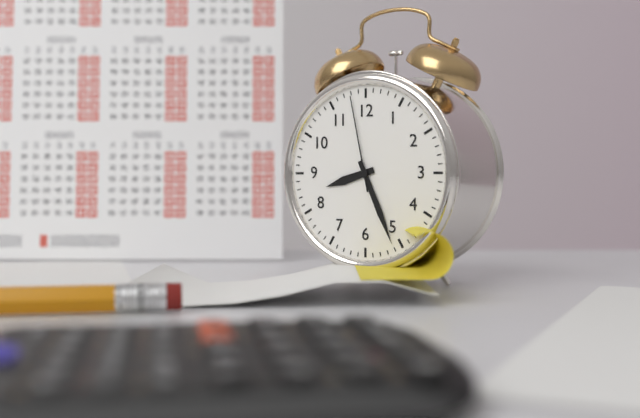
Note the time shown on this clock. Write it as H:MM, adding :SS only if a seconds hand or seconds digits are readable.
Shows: 8:26:58
